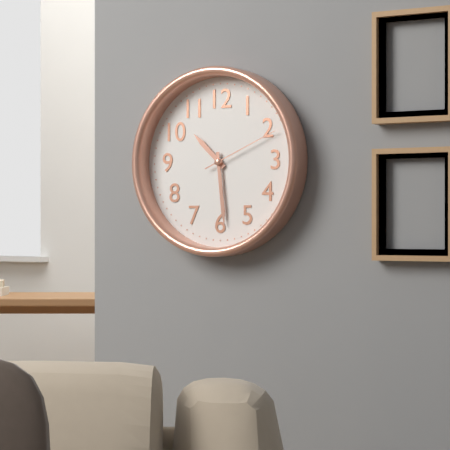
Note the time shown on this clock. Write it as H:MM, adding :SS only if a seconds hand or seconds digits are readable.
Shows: 10:29:11
